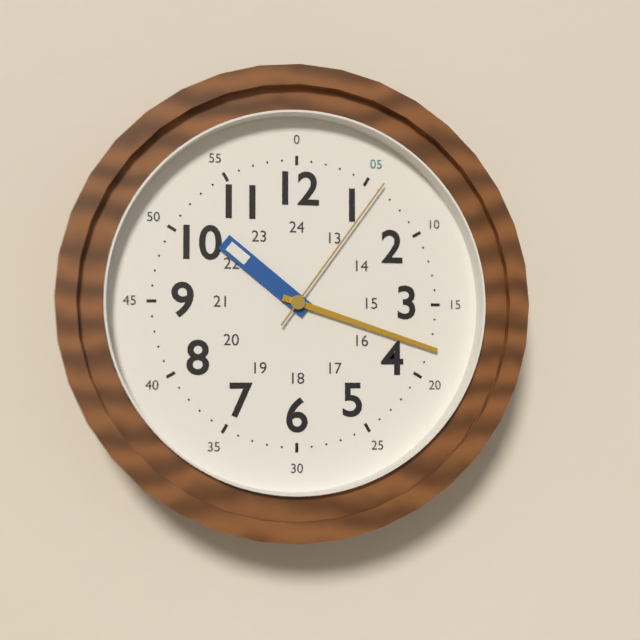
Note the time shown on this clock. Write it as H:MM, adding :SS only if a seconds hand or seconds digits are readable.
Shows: 10:18:06
